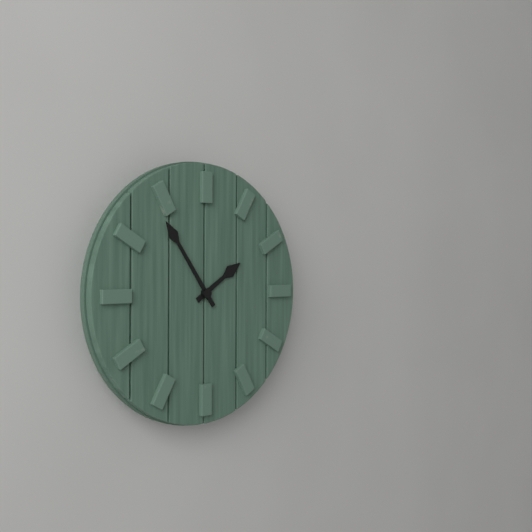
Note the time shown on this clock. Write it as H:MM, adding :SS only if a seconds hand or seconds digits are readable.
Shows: 1:54
